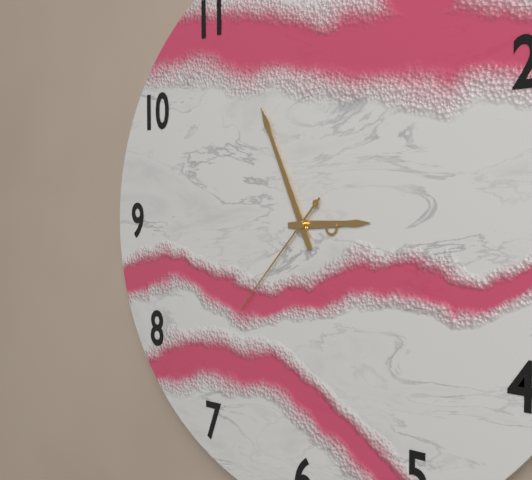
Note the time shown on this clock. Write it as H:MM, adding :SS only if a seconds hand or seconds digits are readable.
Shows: 2:56:37
